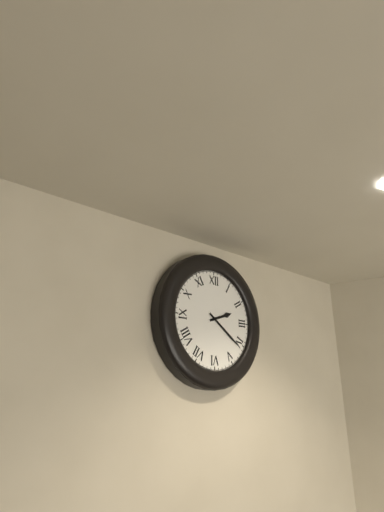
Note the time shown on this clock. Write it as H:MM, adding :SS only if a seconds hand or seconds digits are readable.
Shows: 2:21
